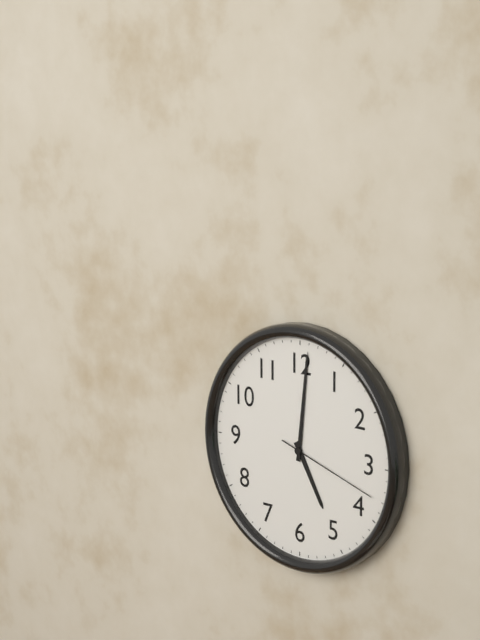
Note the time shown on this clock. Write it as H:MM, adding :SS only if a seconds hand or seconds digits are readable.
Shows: 5:01:18
